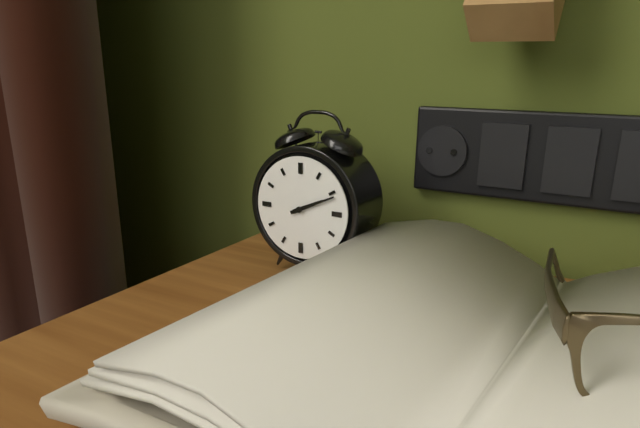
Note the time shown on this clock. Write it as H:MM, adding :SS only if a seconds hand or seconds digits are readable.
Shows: 2:11
